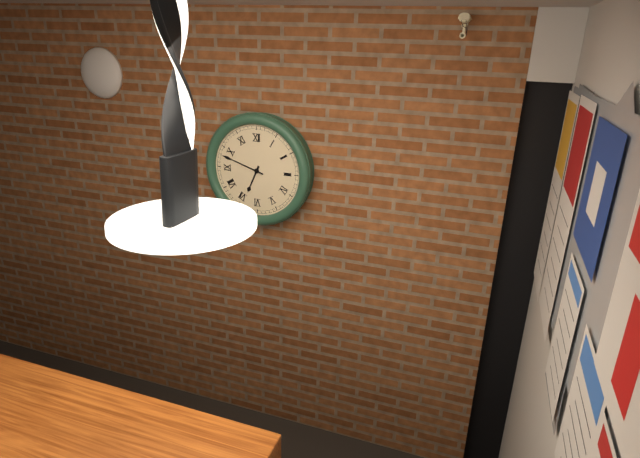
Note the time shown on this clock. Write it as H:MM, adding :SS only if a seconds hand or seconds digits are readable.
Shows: 6:48
